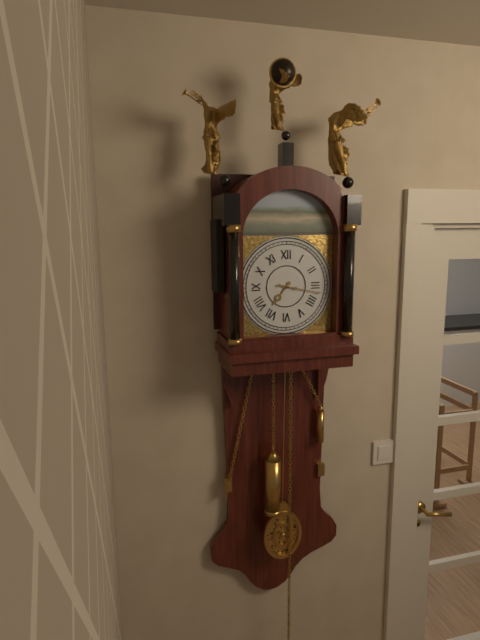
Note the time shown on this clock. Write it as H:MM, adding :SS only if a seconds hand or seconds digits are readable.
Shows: 7:17
